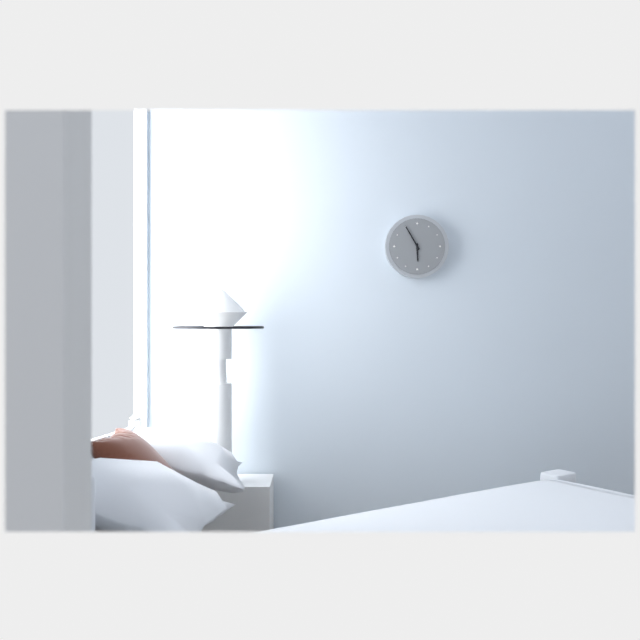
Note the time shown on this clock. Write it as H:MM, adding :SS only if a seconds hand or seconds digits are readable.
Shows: 5:55
